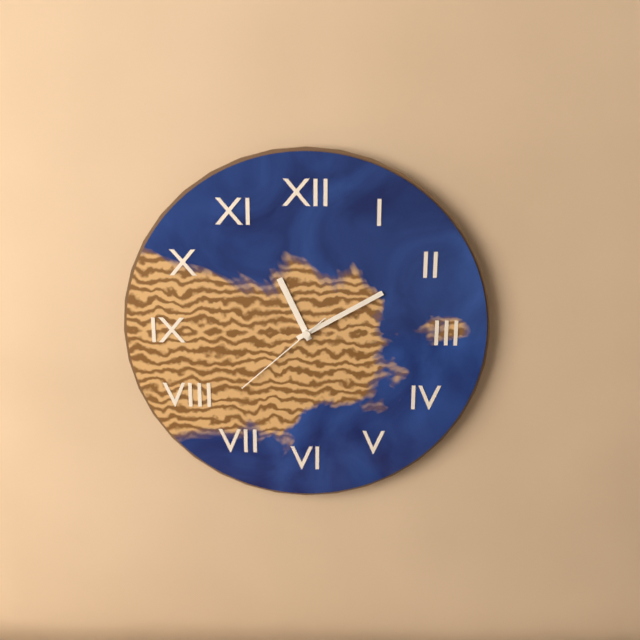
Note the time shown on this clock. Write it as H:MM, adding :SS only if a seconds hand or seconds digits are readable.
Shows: 11:10:38
